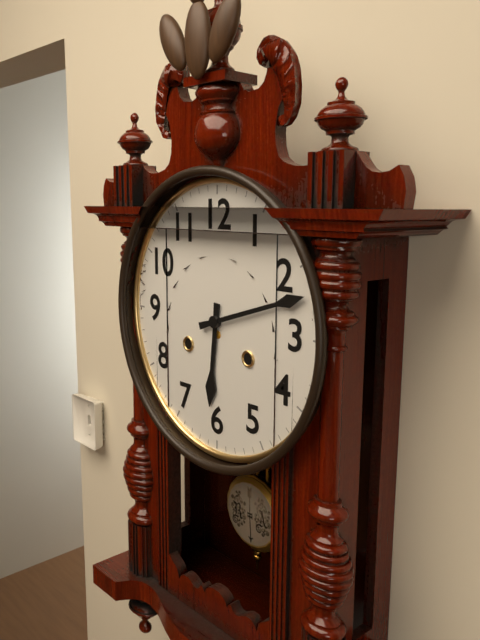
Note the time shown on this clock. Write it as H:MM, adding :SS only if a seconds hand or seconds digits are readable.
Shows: 6:12
